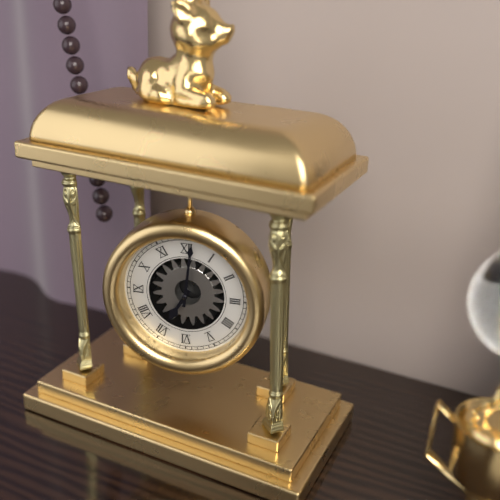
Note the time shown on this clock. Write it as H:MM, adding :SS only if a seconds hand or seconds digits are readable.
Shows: 7:01
